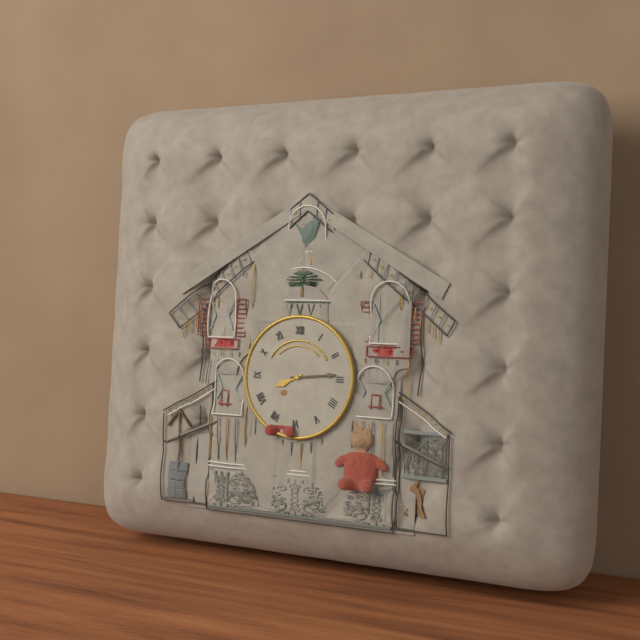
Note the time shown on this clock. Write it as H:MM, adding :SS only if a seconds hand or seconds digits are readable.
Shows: 8:14
